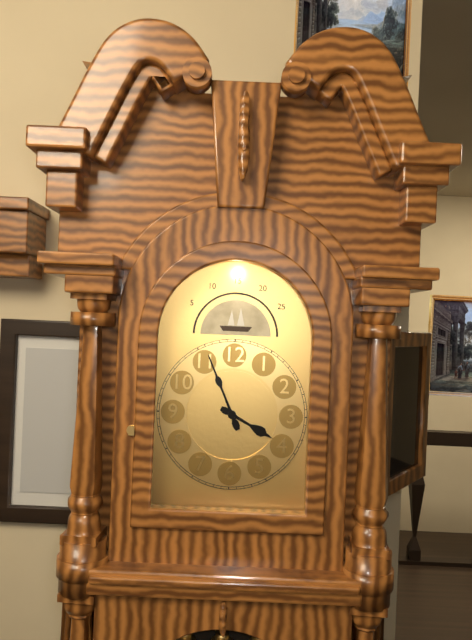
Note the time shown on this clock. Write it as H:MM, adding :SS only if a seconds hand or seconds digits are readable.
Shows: 3:56
